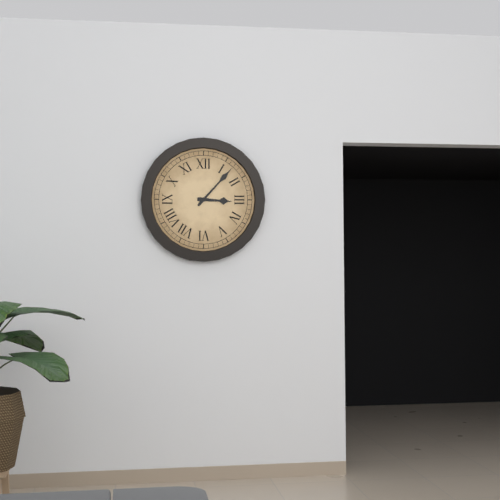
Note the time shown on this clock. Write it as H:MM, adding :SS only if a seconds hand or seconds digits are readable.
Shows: 3:07
